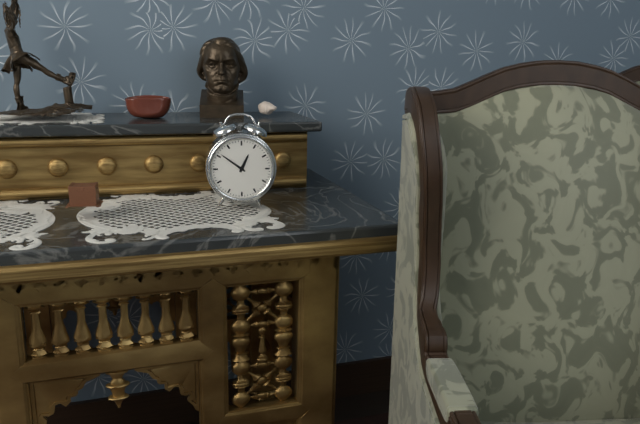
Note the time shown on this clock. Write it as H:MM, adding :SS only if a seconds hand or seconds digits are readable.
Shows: 12:51
